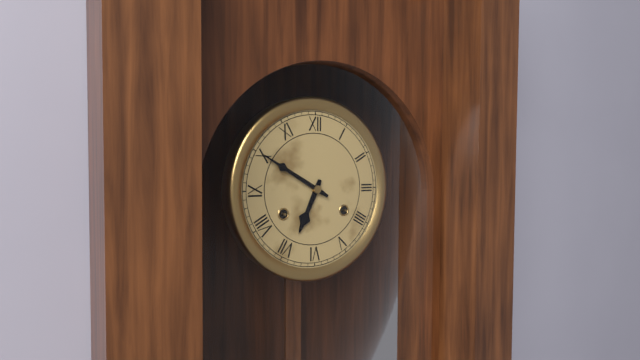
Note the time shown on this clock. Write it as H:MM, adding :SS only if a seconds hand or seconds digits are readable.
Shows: 6:50
